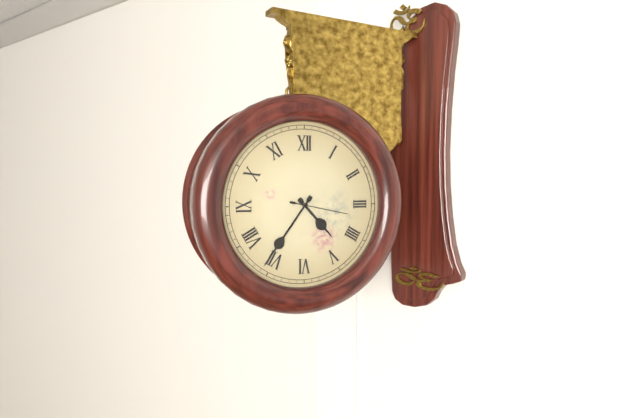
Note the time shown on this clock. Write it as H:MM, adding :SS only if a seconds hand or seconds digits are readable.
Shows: 4:36:17
